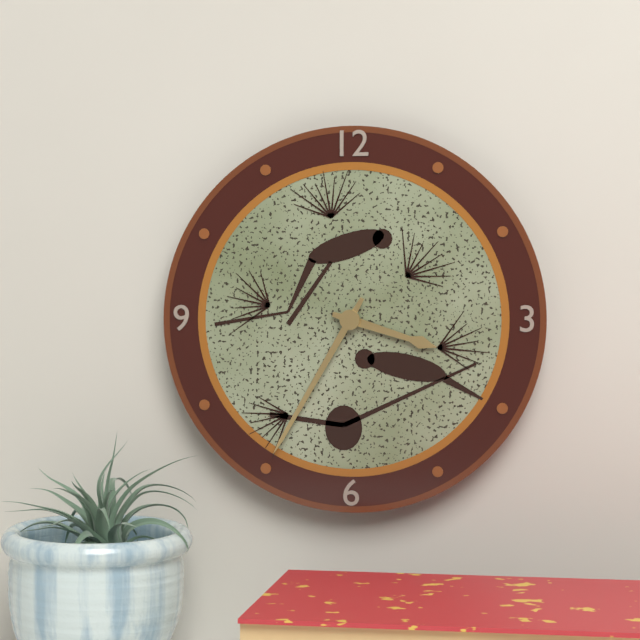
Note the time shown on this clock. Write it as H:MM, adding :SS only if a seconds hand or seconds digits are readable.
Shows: 3:35
